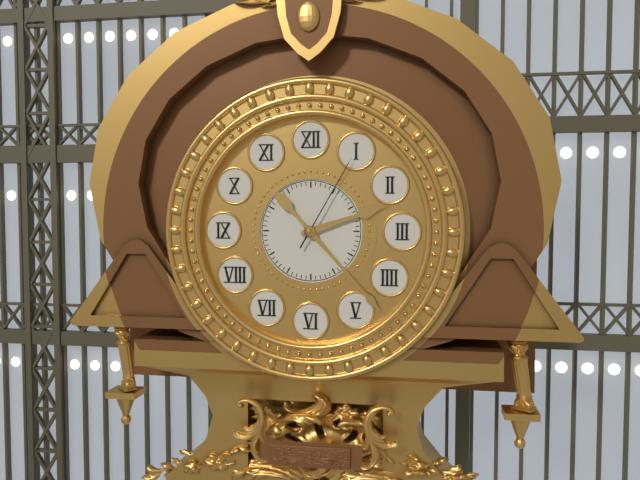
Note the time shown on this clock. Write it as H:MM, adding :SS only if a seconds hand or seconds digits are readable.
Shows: 2:23:05
